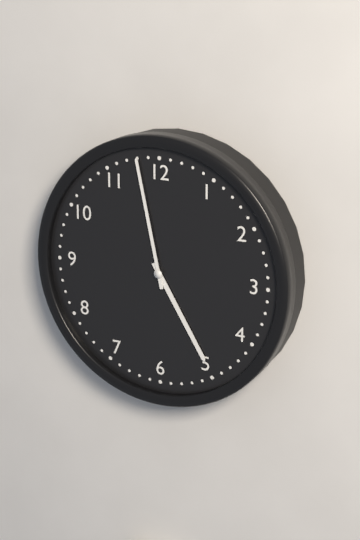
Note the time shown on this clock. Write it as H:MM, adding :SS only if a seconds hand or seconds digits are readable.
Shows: 4:58
